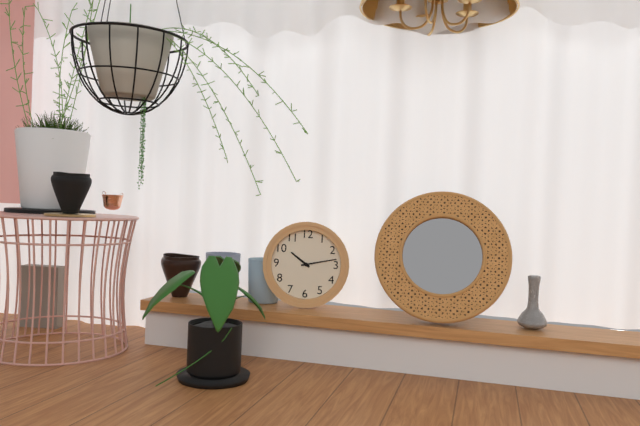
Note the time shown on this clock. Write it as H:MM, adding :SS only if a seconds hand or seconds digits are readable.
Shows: 10:13
